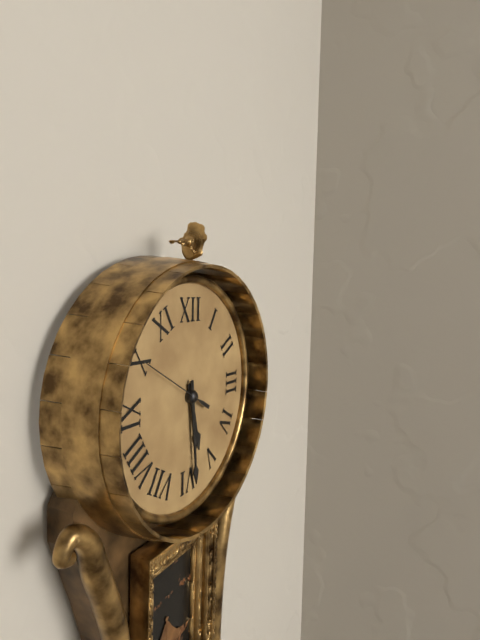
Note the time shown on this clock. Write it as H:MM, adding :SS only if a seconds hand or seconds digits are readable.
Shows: 5:29:50
